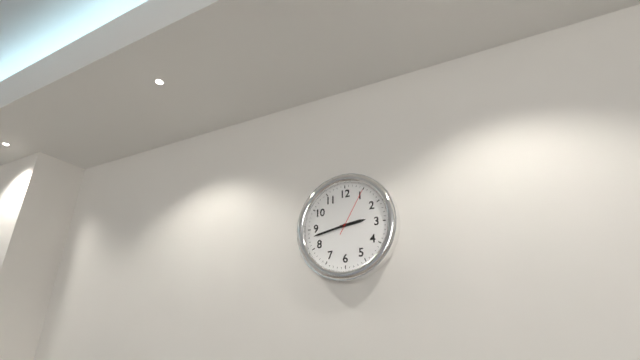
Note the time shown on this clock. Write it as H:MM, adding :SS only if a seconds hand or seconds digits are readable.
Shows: 2:43
